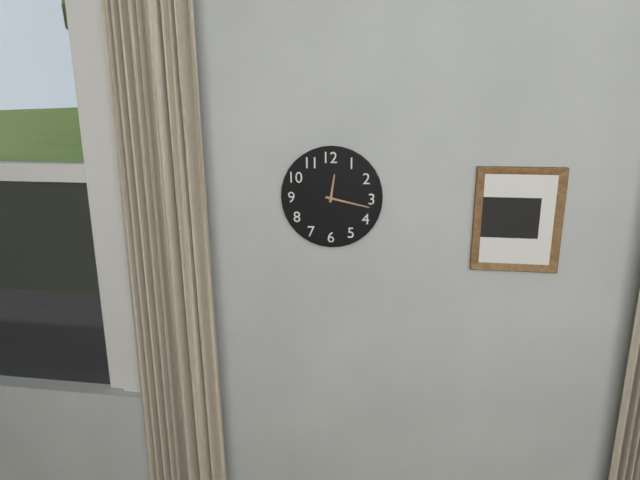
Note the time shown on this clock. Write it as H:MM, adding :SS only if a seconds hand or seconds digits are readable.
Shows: 12:17
